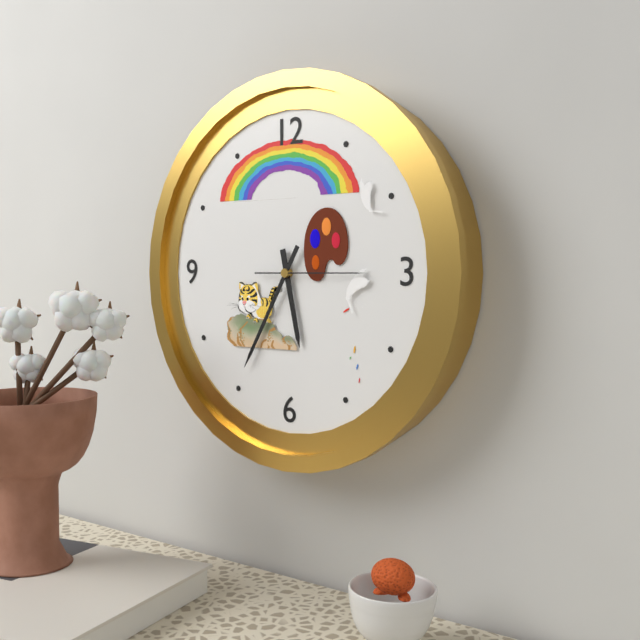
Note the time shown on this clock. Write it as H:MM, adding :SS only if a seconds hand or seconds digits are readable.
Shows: 5:35:15
